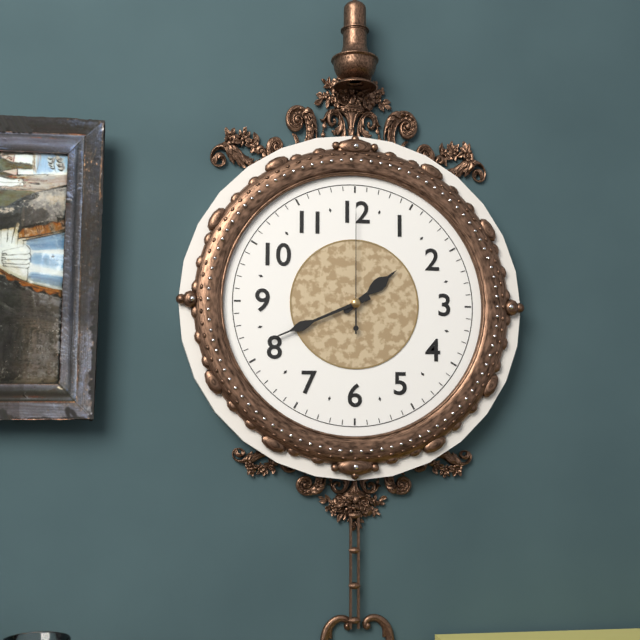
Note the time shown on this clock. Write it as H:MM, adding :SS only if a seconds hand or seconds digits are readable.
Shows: 1:41:00
